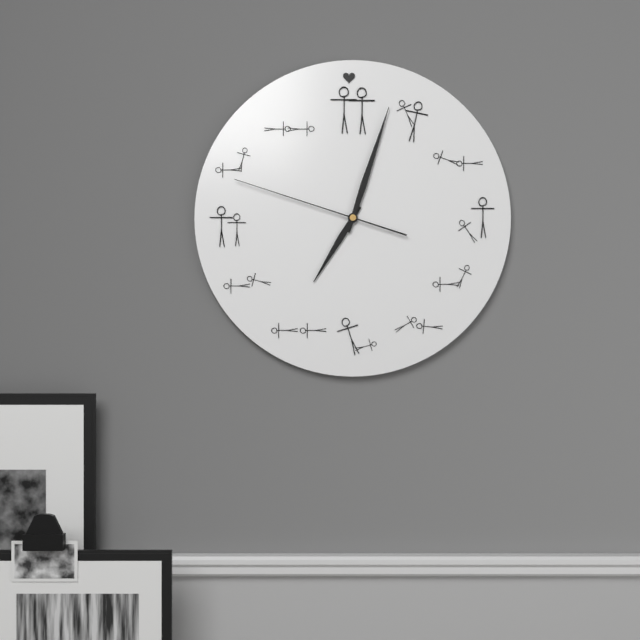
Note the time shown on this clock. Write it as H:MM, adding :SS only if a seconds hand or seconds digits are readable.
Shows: 7:03:48
